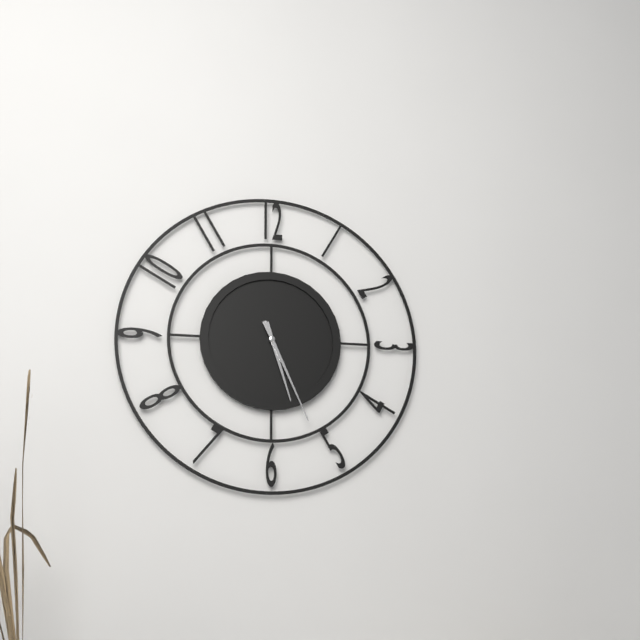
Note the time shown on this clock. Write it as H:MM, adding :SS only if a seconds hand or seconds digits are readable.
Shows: 5:26
